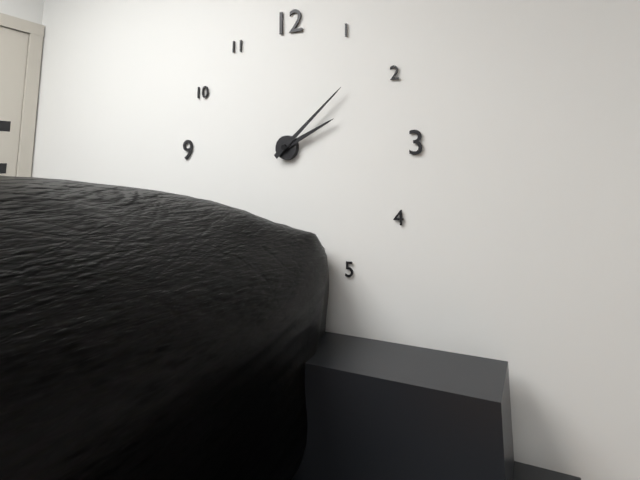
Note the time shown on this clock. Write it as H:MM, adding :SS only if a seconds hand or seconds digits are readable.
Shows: 2:08
